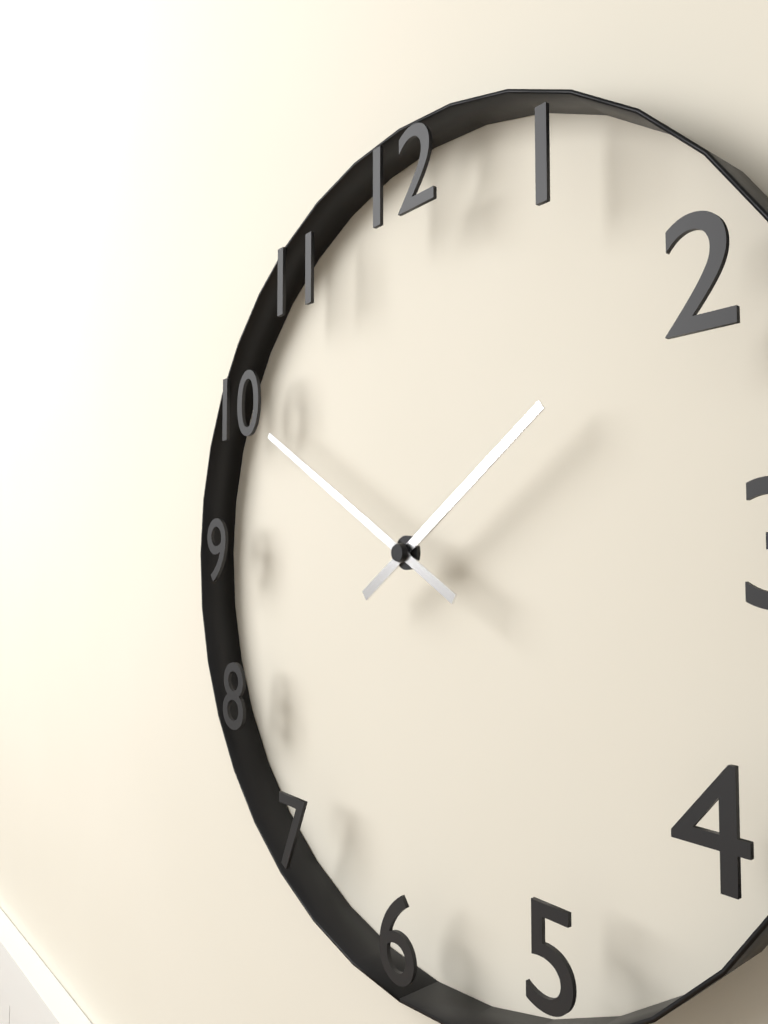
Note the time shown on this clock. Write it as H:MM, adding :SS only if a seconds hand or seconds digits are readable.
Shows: 1:50
